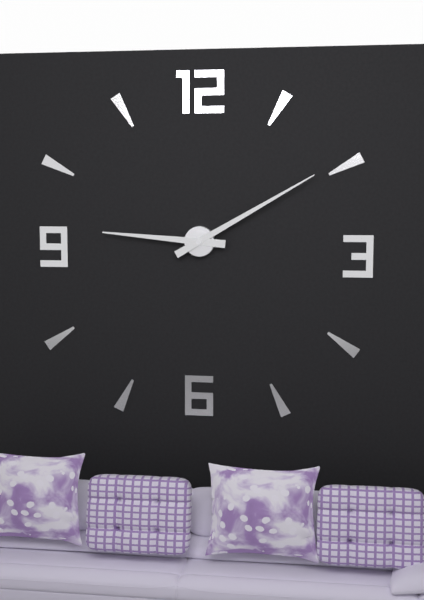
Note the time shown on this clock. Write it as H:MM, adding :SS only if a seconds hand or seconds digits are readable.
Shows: 9:10
